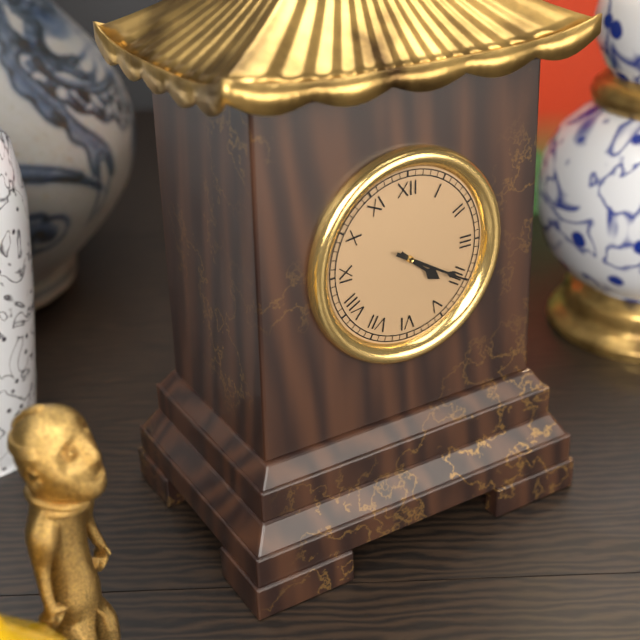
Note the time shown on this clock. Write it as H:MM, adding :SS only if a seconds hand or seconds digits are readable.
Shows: 4:20
